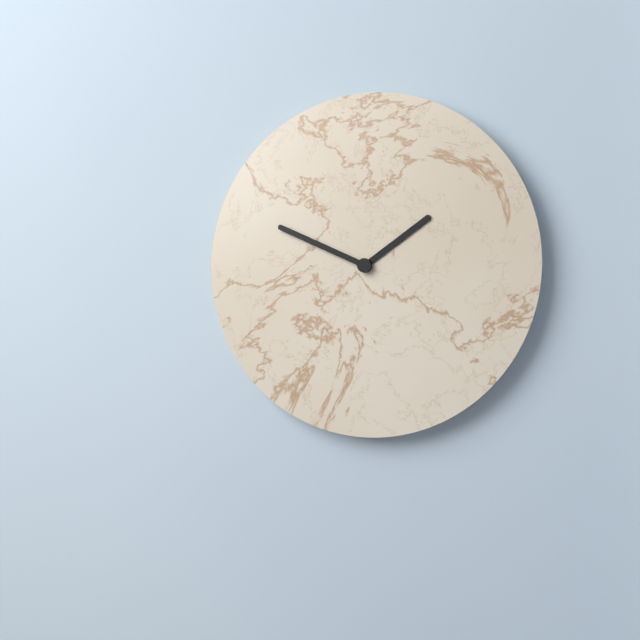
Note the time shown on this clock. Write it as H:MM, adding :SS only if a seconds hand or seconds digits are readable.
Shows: 1:49
